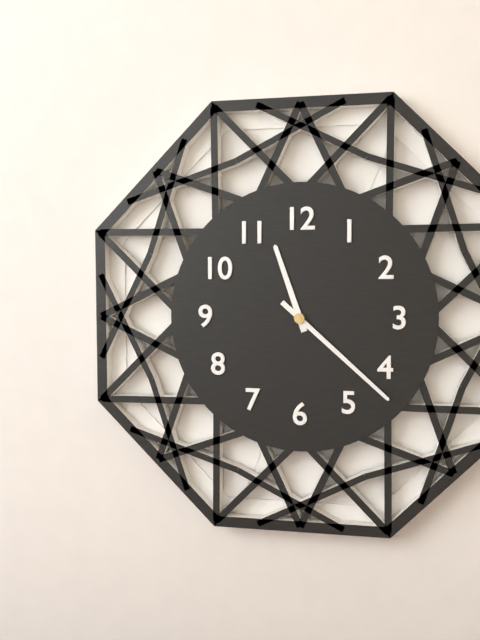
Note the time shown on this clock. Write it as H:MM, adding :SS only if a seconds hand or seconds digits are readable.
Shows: 11:22
